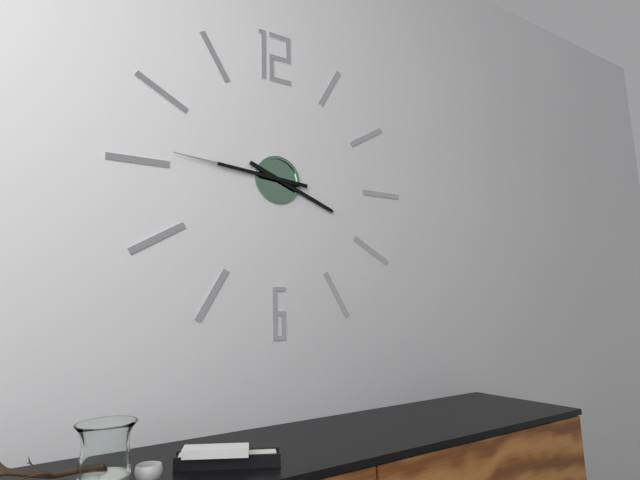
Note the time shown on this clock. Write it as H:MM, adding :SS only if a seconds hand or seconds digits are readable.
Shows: 3:46
